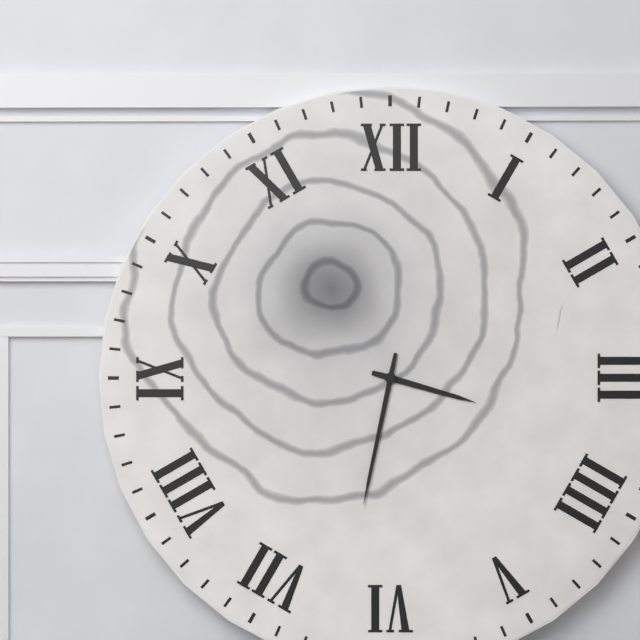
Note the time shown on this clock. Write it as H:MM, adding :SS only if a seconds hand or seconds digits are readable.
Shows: 3:32
